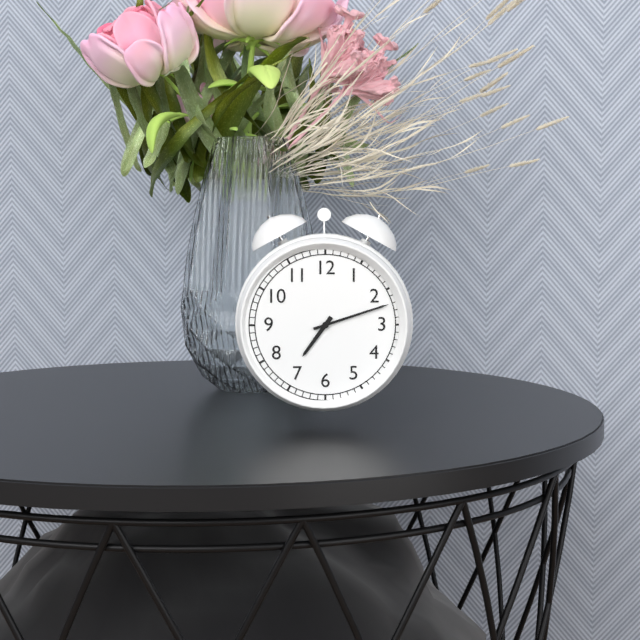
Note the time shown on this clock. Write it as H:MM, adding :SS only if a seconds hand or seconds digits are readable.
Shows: 7:12
